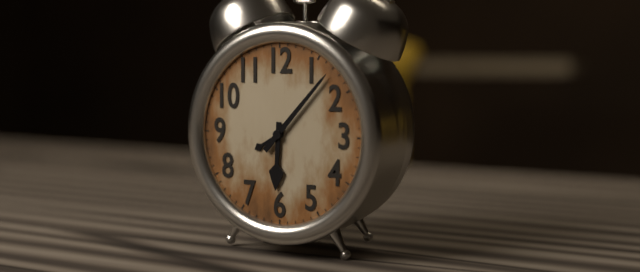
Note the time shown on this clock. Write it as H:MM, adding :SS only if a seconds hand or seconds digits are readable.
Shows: 6:07
